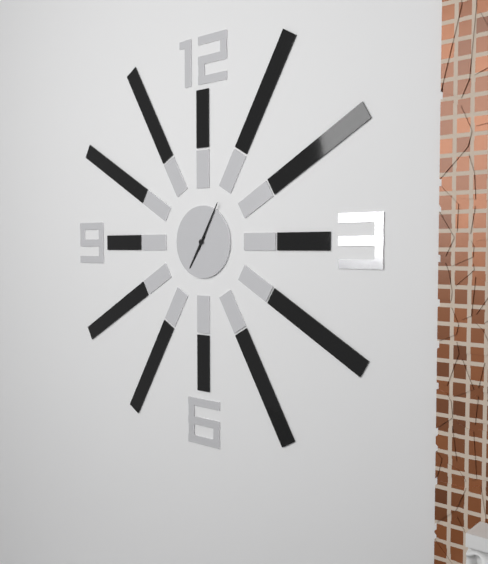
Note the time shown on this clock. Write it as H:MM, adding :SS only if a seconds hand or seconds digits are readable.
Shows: 7:05
